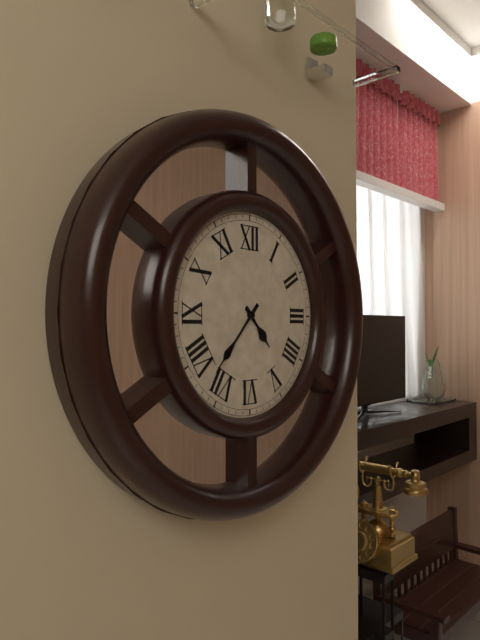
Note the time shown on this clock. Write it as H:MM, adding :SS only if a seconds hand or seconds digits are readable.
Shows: 4:37
